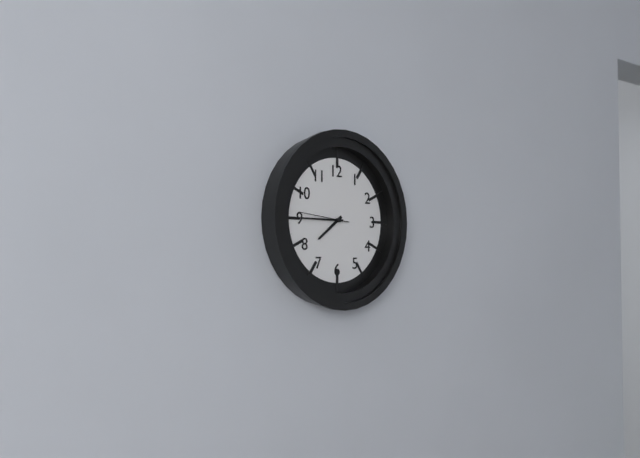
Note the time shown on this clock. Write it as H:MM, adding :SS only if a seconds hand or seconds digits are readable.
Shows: 7:45:46
